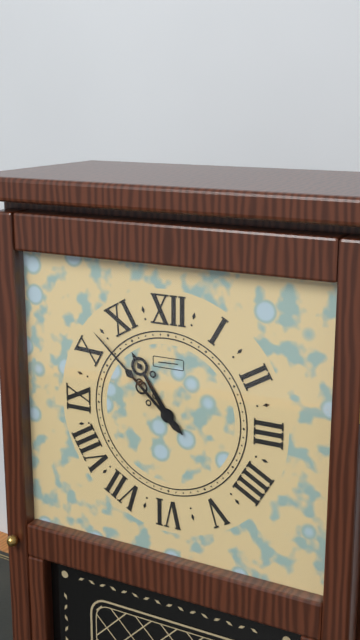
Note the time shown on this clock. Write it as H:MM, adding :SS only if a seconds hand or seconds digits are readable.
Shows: 10:52
